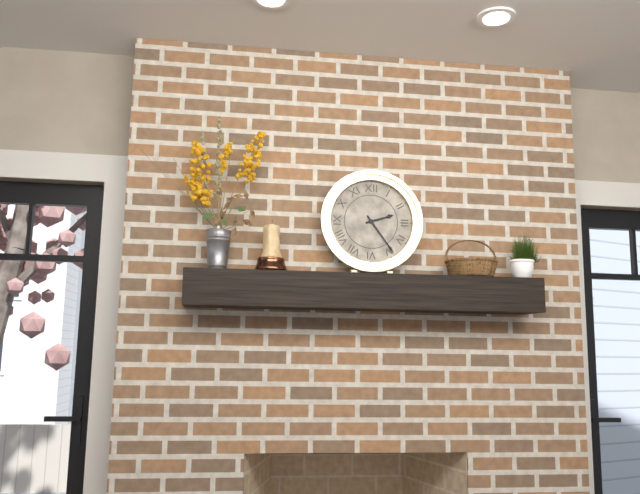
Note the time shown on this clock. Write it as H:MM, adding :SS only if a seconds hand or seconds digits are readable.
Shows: 2:24
